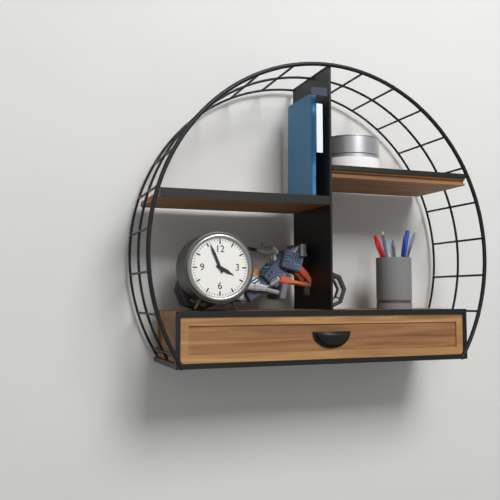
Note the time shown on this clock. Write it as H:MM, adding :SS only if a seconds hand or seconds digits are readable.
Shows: 3:56
